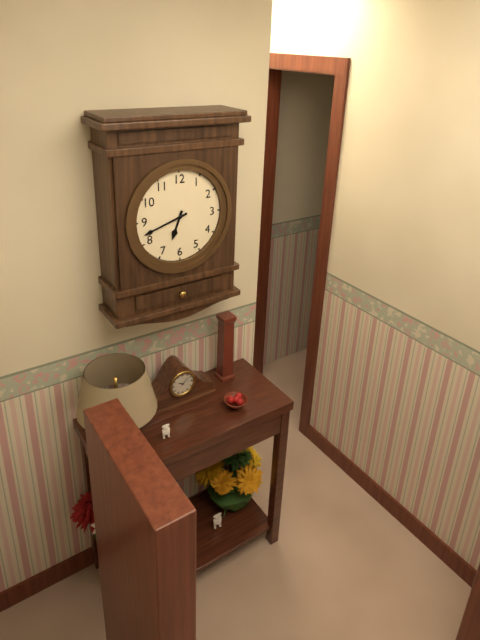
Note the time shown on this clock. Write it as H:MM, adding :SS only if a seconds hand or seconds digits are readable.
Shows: 6:42
